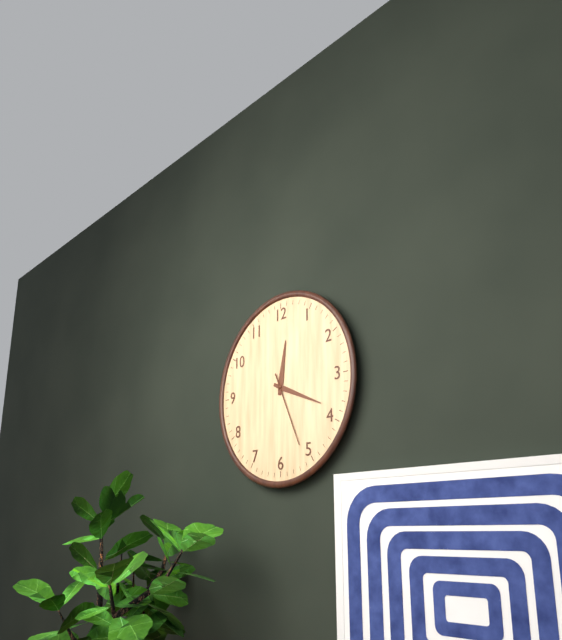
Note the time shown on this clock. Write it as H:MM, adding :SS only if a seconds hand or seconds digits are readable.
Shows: 12:19:26
